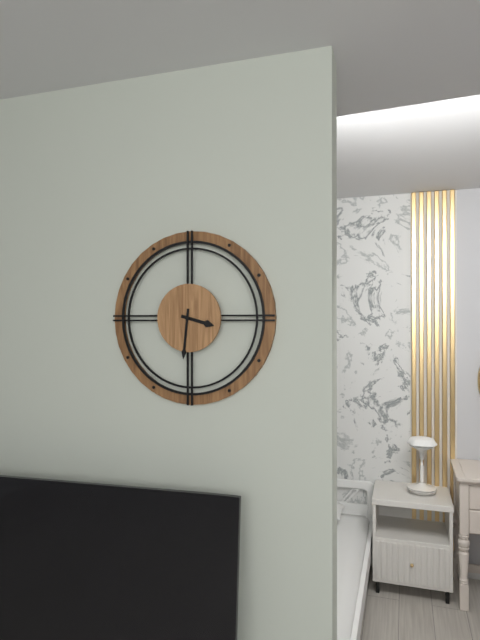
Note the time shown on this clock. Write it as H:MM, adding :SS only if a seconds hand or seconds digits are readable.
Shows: 3:31
